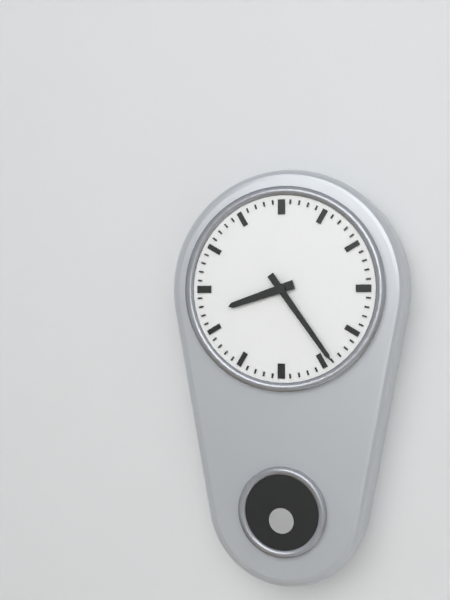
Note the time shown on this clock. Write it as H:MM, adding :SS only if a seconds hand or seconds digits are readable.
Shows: 8:24
